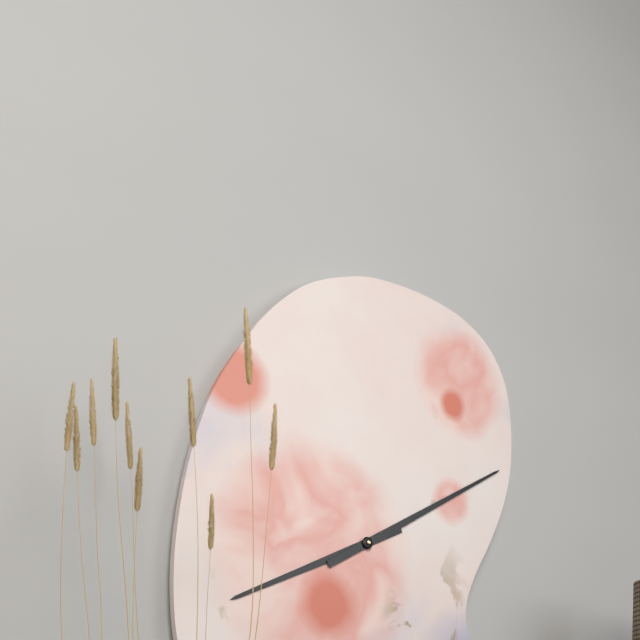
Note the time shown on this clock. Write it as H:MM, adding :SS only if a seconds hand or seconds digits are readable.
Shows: 8:10
